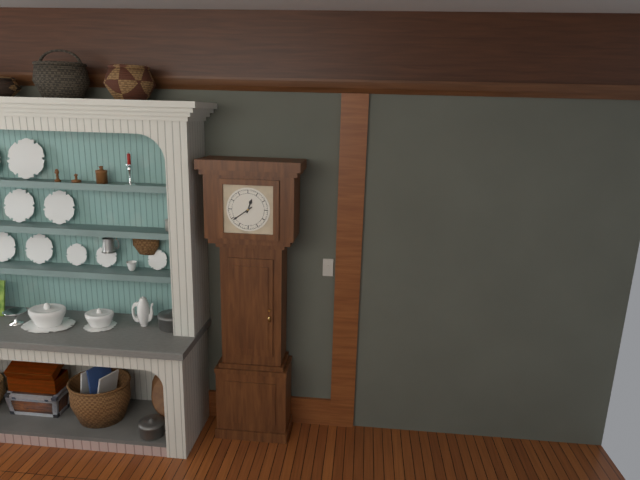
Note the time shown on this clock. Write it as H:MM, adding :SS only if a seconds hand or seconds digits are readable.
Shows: 12:39
